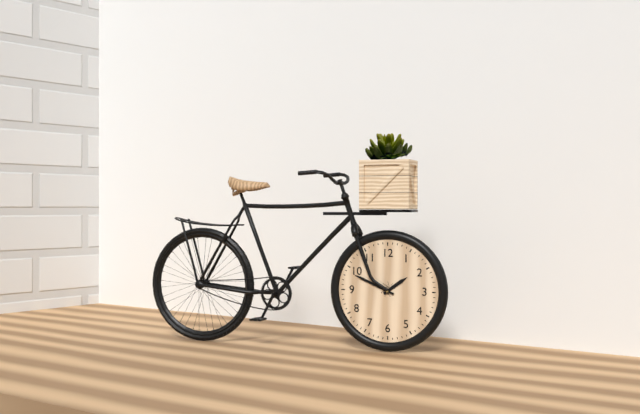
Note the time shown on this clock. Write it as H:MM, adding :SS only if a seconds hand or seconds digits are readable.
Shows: 1:49
